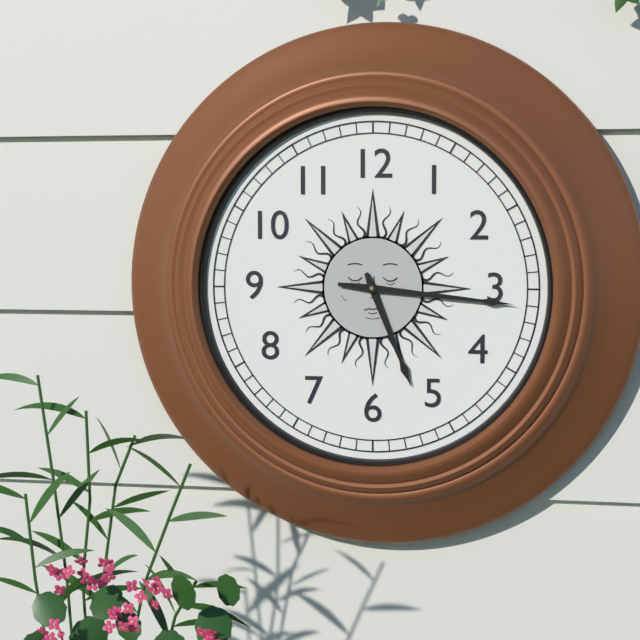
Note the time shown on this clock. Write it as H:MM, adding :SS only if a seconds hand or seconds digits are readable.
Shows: 5:16
